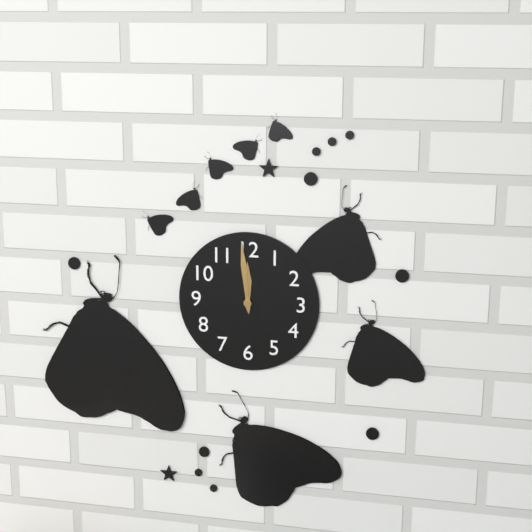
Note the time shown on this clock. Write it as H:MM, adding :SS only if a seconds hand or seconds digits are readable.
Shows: 11:59
